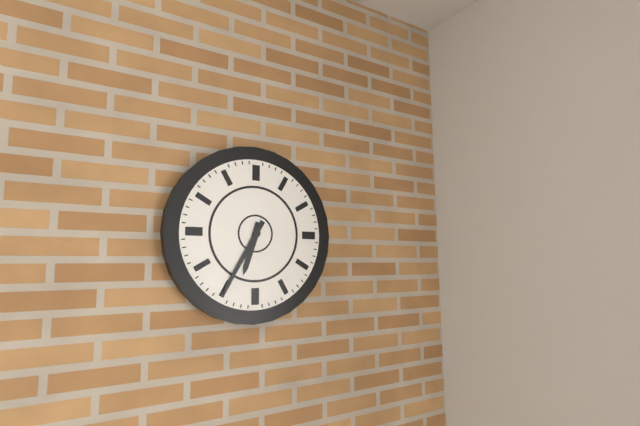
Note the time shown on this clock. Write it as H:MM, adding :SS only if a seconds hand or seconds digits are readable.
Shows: 6:35
